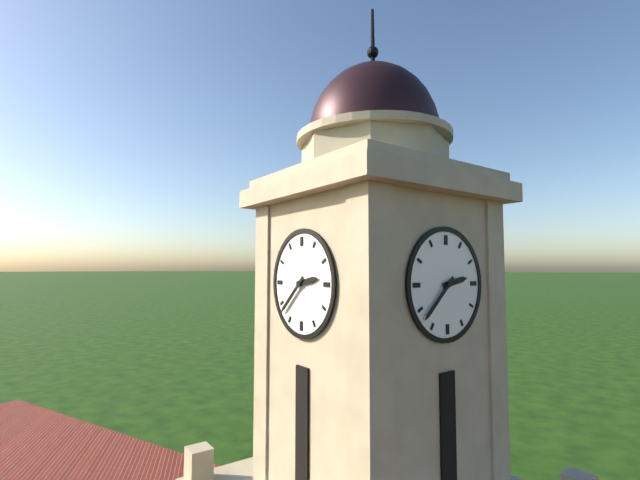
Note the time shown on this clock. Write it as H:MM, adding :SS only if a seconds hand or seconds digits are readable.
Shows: 2:38
